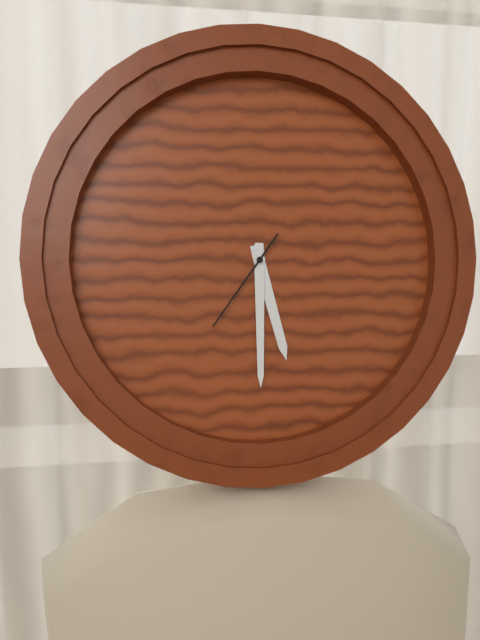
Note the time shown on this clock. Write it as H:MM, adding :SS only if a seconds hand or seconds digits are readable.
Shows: 5:30:36
